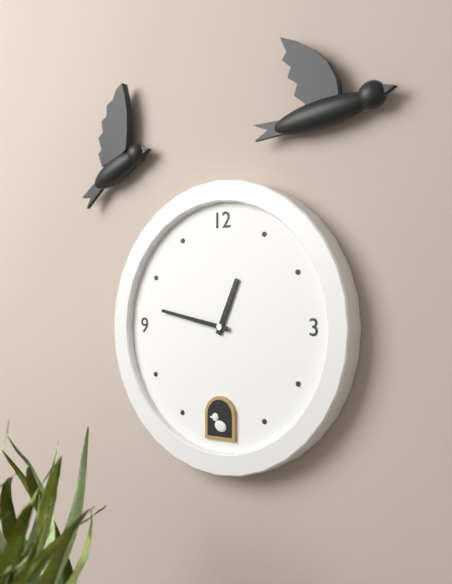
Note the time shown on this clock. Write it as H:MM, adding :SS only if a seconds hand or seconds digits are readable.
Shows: 12:47
